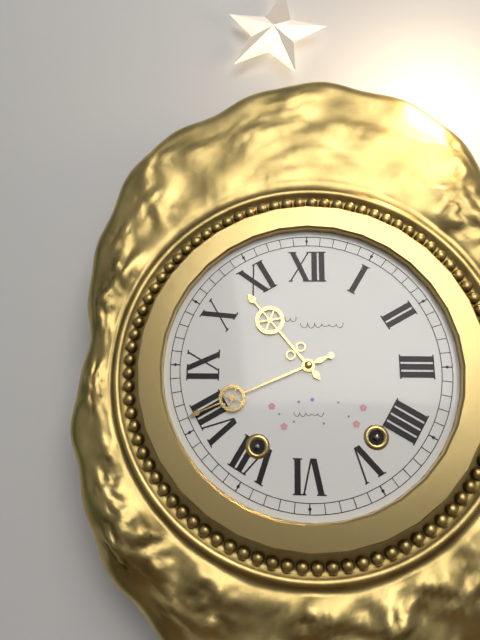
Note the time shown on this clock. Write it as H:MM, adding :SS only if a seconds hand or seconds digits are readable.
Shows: 10:41
